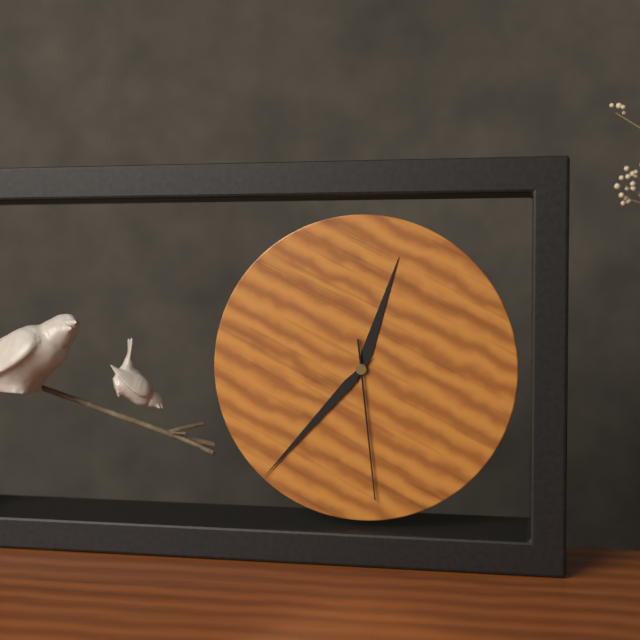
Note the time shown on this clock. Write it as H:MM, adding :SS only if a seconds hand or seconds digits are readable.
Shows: 12:37:29
